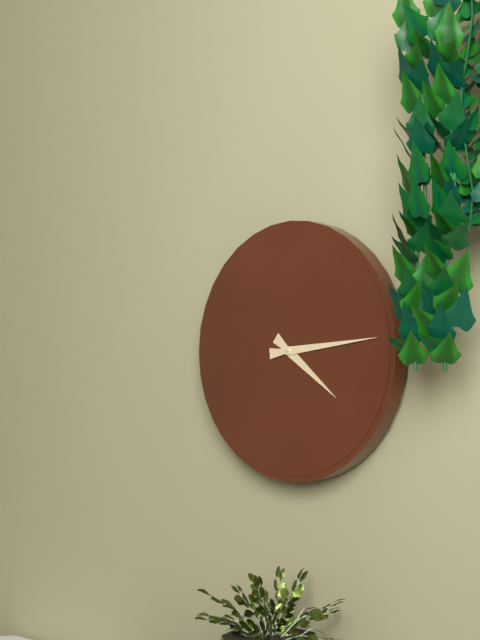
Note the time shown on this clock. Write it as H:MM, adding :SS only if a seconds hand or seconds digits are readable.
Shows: 4:14
